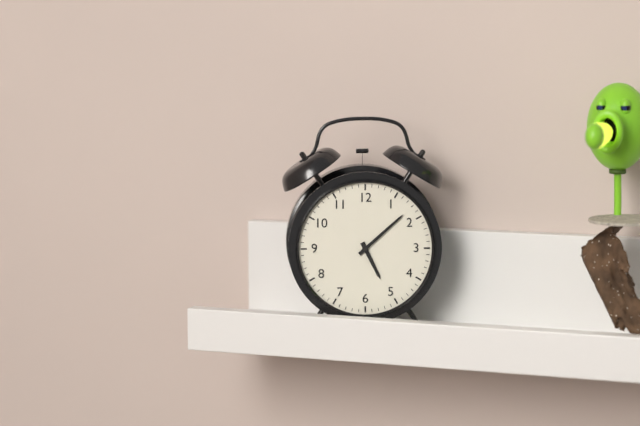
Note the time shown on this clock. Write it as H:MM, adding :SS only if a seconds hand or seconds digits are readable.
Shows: 5:08
